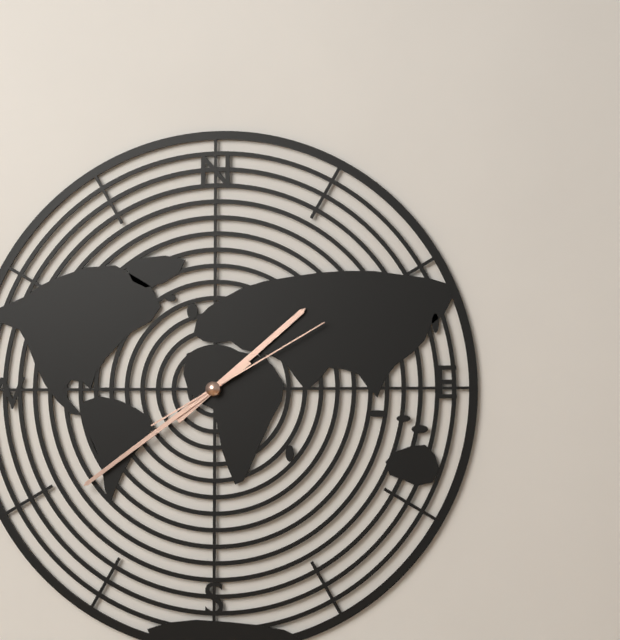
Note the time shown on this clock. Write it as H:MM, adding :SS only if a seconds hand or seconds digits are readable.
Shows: 1:39:10
